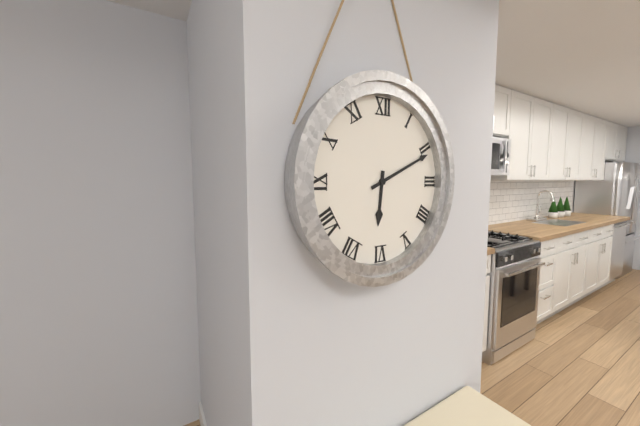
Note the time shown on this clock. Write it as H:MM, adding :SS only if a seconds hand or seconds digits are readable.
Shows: 6:11
